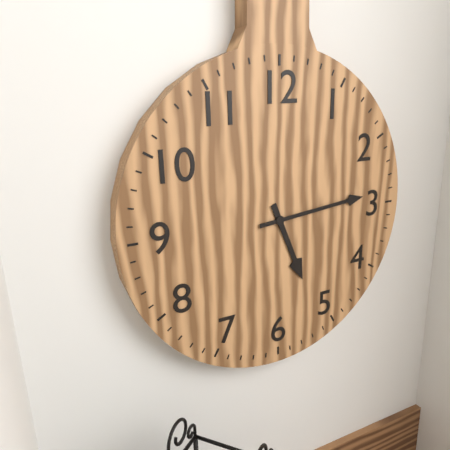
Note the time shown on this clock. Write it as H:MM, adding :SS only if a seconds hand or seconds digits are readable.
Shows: 5:14
